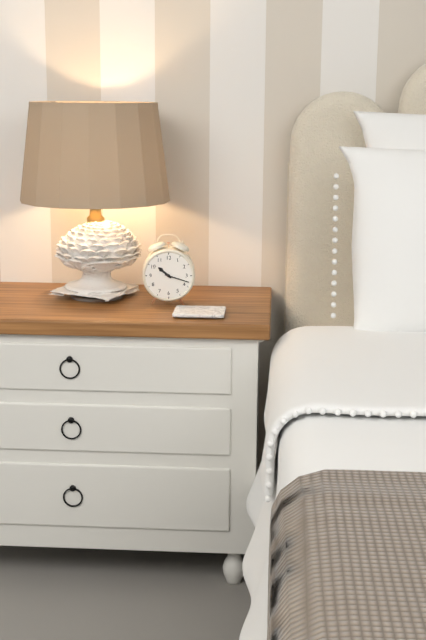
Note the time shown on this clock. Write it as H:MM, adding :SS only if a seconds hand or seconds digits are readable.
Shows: 10:18
